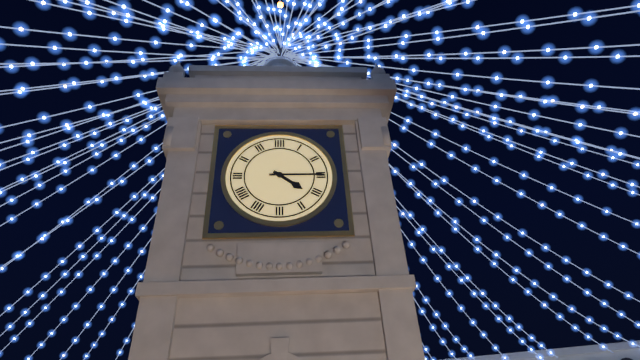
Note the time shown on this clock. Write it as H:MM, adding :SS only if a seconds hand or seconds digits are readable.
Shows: 4:15
